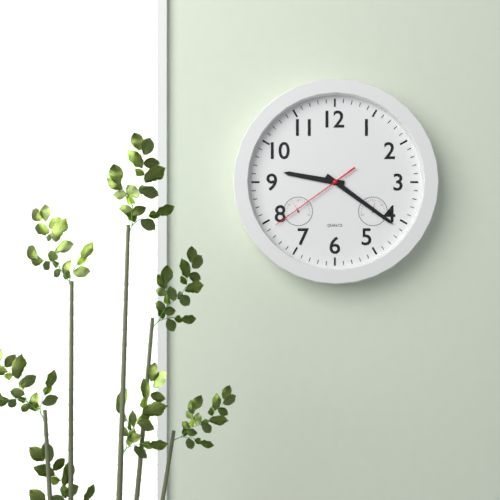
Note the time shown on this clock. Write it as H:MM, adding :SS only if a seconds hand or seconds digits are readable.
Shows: 9:21:39
